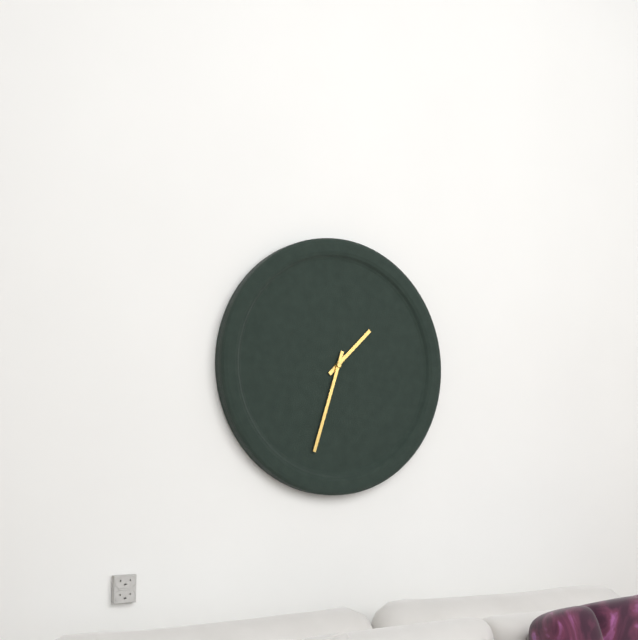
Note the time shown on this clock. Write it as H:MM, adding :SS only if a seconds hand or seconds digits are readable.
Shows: 1:33
